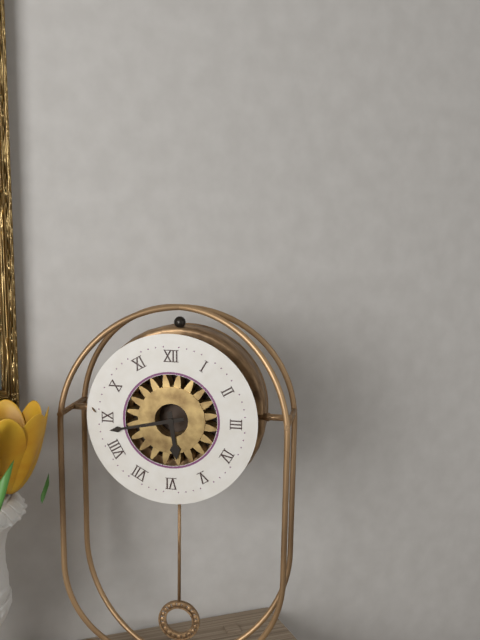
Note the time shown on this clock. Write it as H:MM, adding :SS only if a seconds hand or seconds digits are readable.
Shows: 5:43
